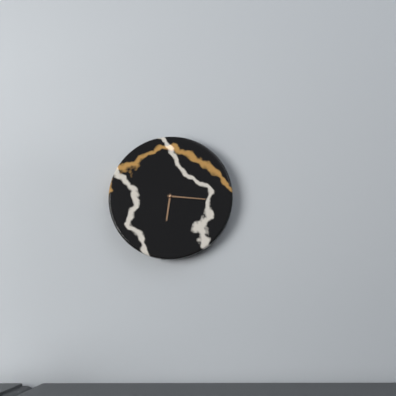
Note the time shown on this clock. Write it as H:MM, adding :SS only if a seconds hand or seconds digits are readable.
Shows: 6:16
